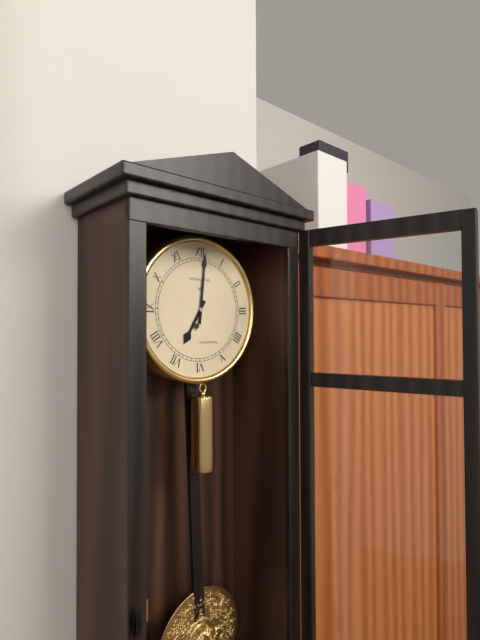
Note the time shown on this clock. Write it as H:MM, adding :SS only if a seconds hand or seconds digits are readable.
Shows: 7:01
